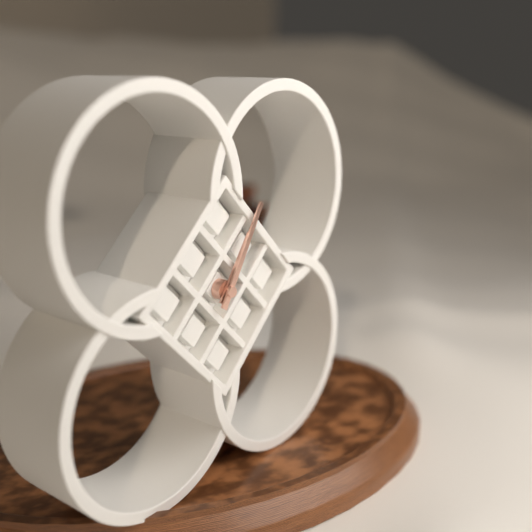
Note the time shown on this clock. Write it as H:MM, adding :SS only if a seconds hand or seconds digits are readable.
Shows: 1:05
